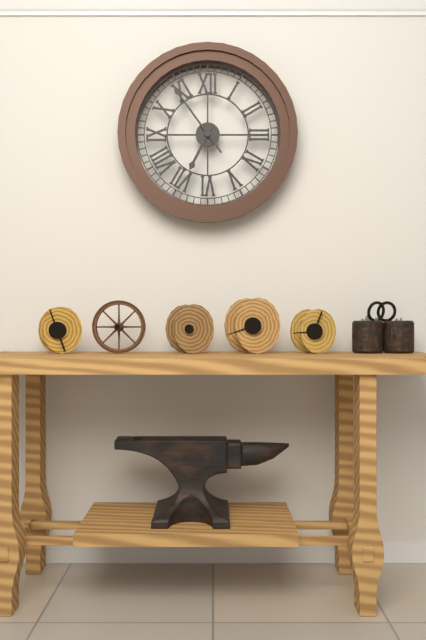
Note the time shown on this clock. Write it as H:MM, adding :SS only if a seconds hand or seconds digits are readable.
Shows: 6:54
